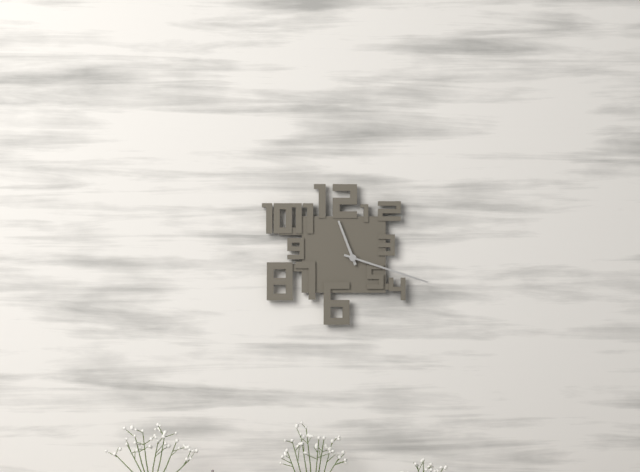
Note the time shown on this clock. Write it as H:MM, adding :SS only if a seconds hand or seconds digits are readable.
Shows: 11:18
